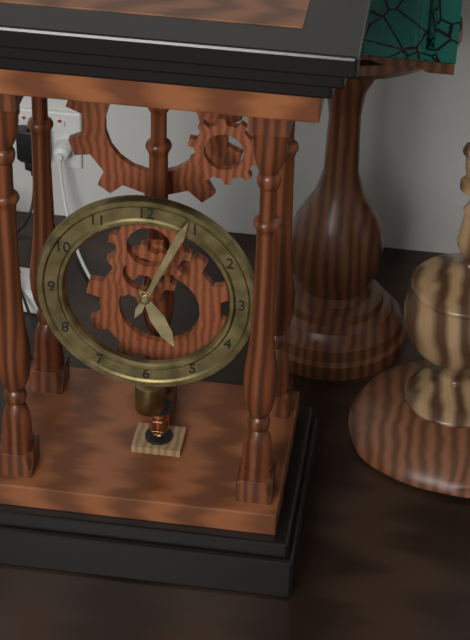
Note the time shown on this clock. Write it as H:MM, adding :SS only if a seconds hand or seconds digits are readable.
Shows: 5:04
